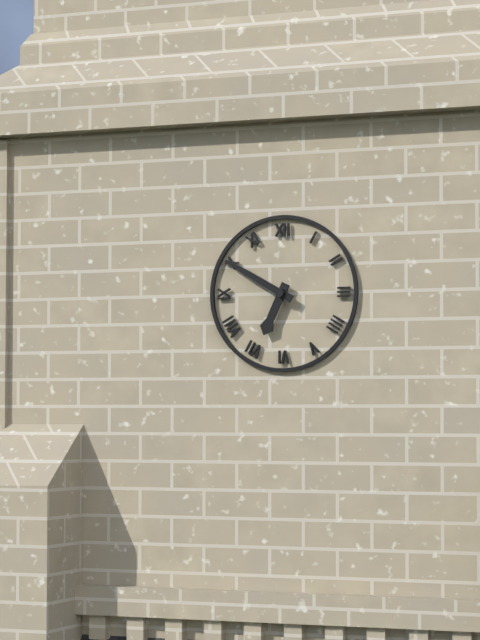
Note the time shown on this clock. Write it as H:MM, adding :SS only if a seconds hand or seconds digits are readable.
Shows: 6:50
